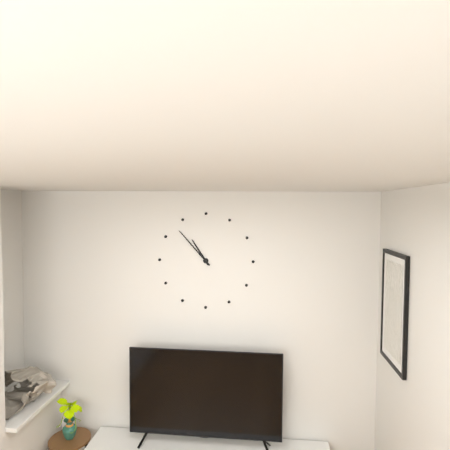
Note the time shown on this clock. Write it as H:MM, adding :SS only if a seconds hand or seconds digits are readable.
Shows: 10:53
